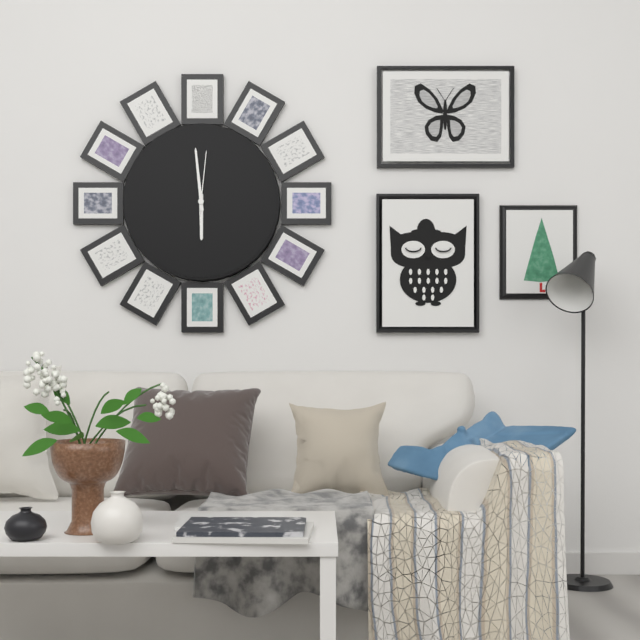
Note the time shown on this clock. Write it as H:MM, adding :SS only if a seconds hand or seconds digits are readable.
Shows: 5:59:01
